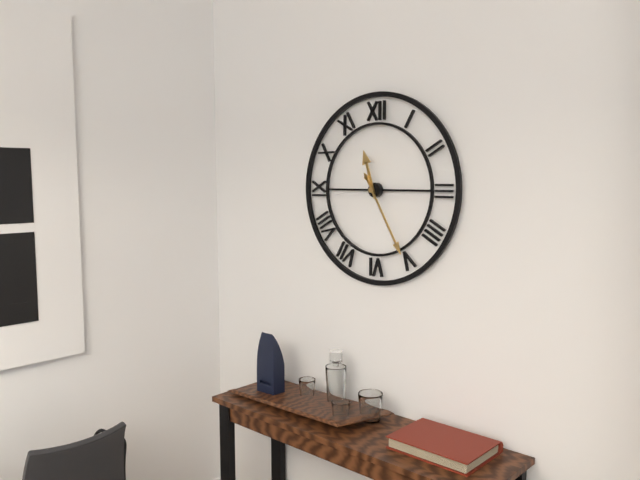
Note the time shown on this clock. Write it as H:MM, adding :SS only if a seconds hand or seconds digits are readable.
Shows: 11:25
